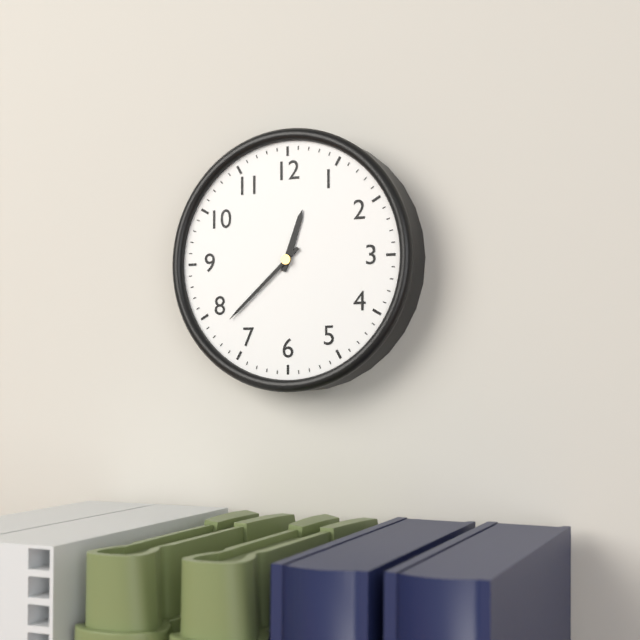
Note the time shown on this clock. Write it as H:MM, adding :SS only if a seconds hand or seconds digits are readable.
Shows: 12:38
